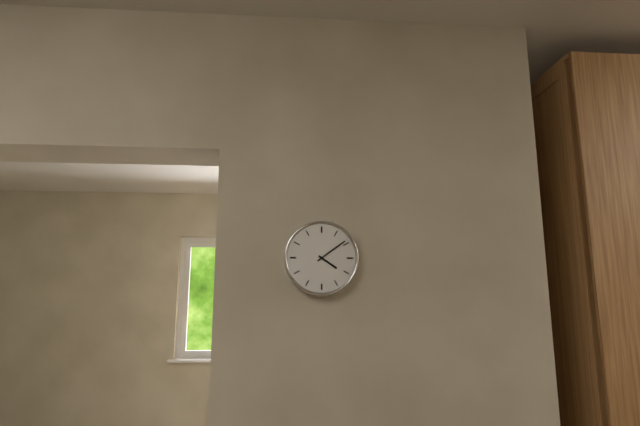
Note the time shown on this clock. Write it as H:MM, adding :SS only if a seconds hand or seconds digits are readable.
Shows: 4:09
